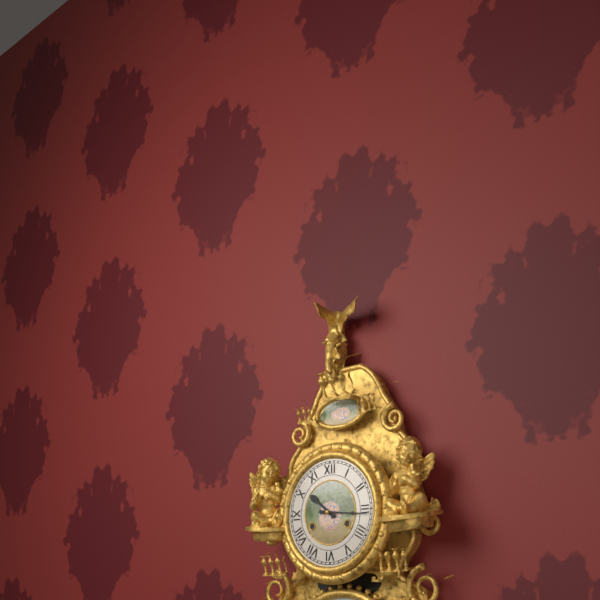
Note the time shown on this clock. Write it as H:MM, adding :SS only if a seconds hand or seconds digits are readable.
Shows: 10:16
